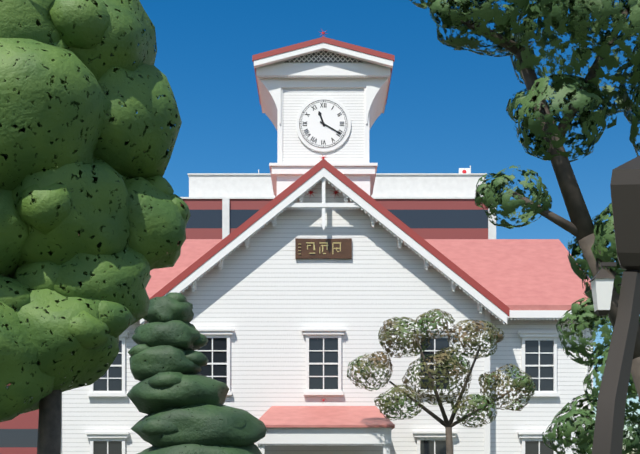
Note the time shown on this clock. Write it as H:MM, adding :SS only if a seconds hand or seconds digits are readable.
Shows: 11:20
